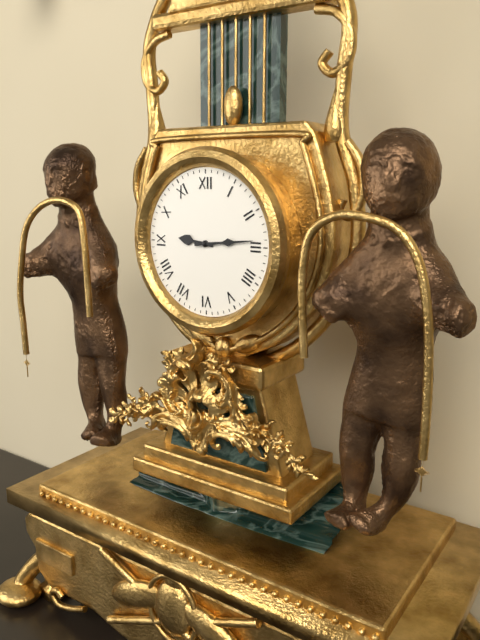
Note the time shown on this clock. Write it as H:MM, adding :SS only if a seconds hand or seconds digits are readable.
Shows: 9:14
